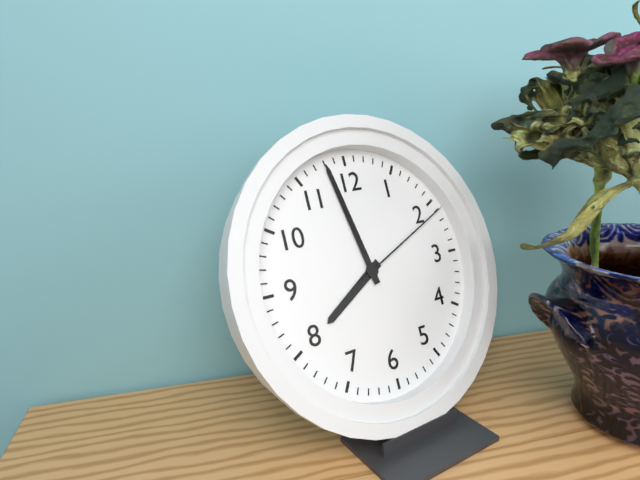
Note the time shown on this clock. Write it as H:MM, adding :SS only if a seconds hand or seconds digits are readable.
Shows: 7:58:11
